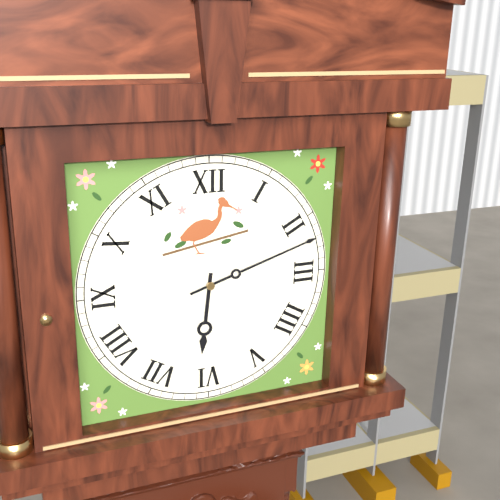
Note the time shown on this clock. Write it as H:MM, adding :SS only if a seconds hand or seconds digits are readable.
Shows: 6:12
